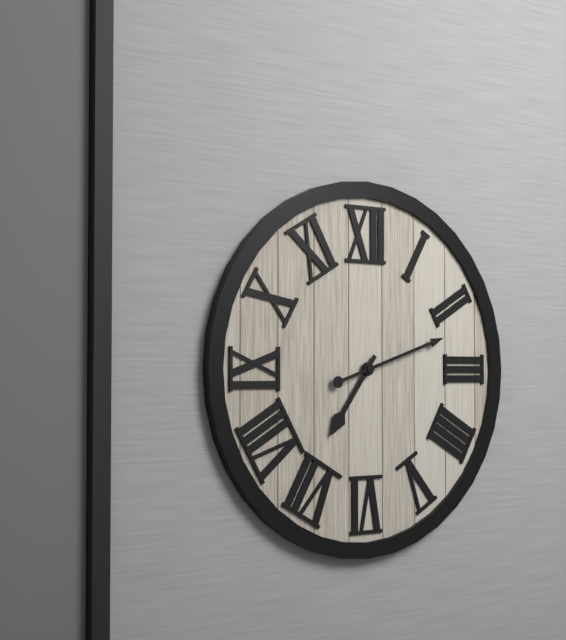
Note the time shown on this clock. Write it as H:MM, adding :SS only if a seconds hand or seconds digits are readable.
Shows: 7:12
